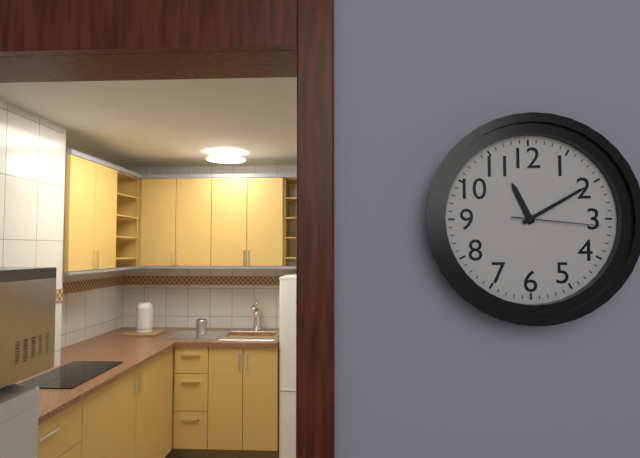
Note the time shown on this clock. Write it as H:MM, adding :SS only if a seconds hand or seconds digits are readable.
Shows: 11:10:16
